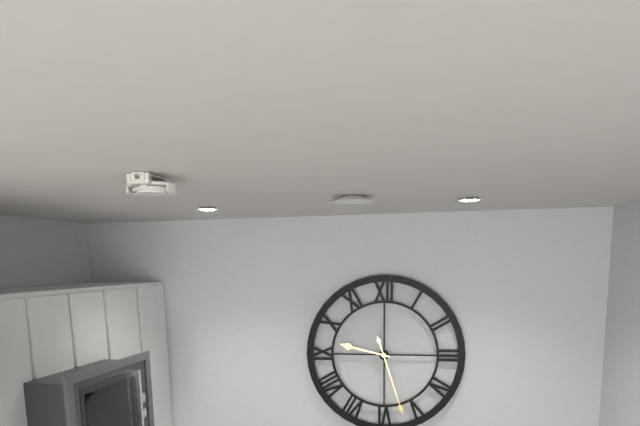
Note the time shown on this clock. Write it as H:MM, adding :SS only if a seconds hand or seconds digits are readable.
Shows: 9:27
